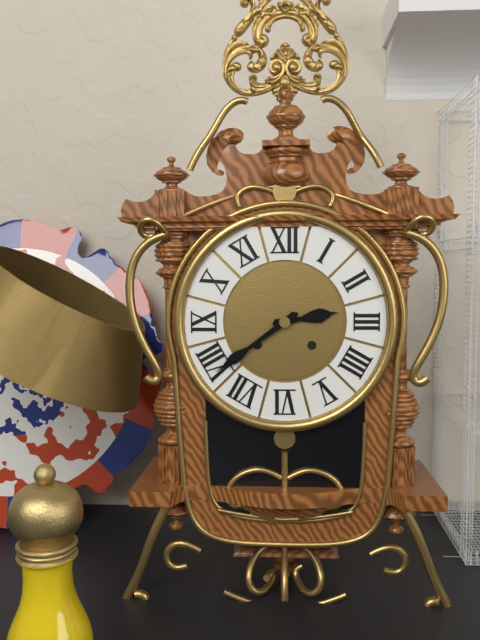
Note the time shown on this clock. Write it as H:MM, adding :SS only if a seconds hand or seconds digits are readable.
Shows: 2:39
